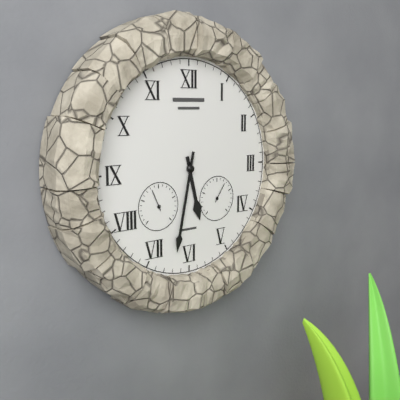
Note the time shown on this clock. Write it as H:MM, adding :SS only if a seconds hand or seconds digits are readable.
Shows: 5:32
